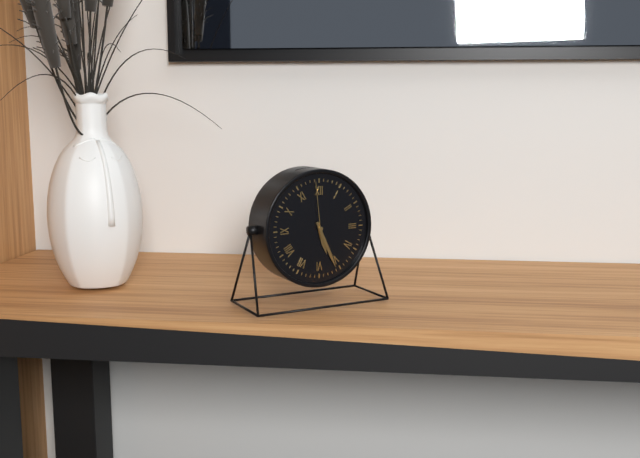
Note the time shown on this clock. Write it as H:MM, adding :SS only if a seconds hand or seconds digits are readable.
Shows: 5:26:59
